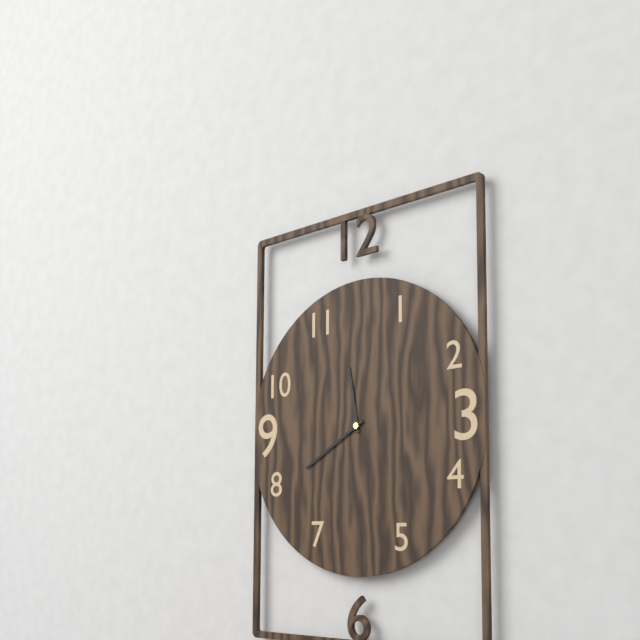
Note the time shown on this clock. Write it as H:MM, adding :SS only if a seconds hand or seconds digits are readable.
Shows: 11:40
